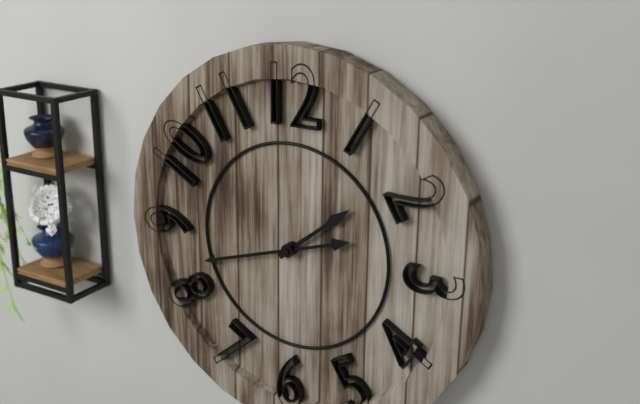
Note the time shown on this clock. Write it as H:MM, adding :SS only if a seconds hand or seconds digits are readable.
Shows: 1:42
